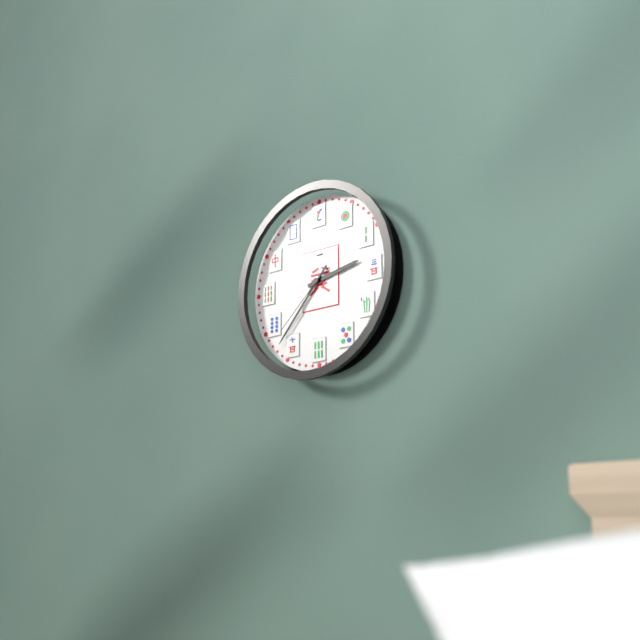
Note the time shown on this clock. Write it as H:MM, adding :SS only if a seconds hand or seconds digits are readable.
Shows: 2:37:38
